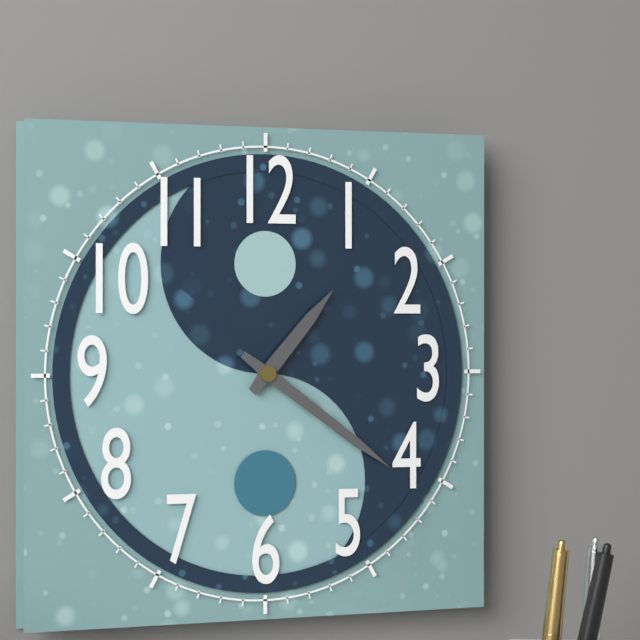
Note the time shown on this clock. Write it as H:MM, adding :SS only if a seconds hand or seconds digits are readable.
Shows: 1:21
